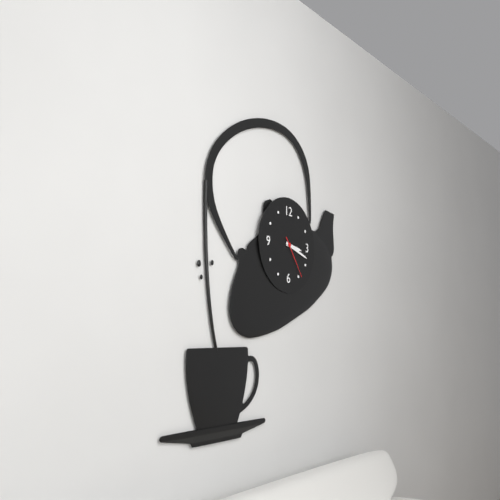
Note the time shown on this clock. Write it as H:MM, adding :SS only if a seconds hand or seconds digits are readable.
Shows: 3:18
